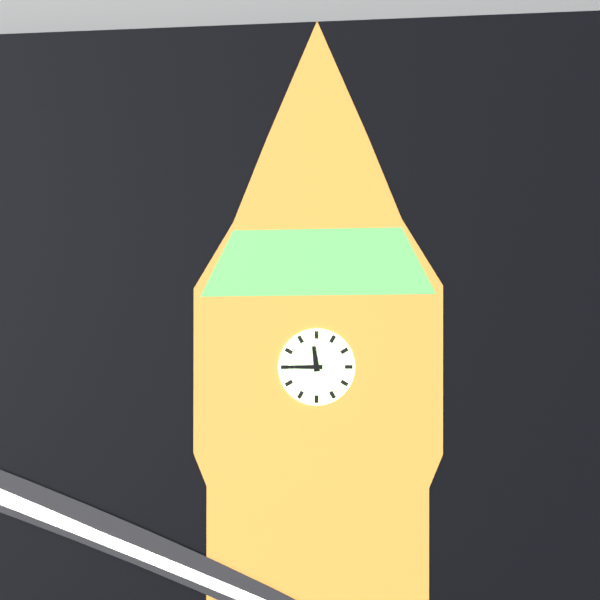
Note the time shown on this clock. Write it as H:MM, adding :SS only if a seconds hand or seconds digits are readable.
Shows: 11:45
